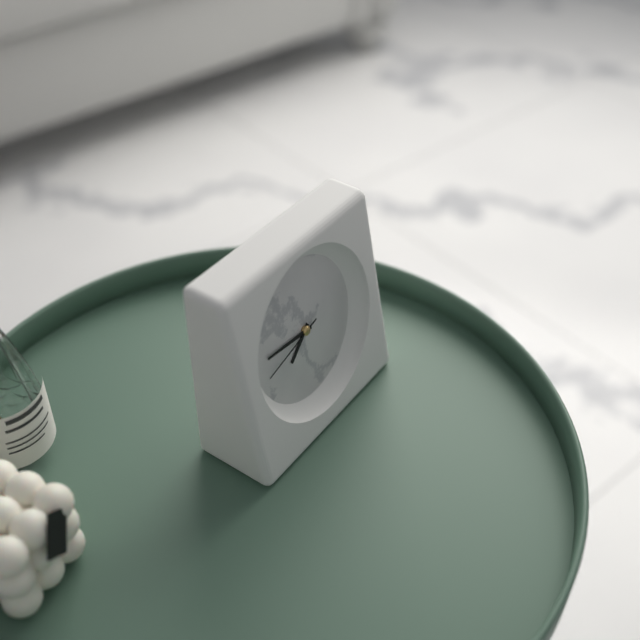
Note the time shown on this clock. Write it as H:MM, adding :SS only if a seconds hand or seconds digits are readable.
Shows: 7:46:43
